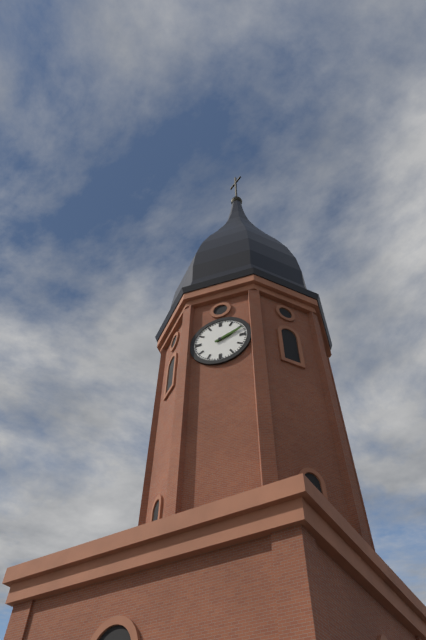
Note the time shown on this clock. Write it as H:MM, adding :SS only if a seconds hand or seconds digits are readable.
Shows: 2:11
